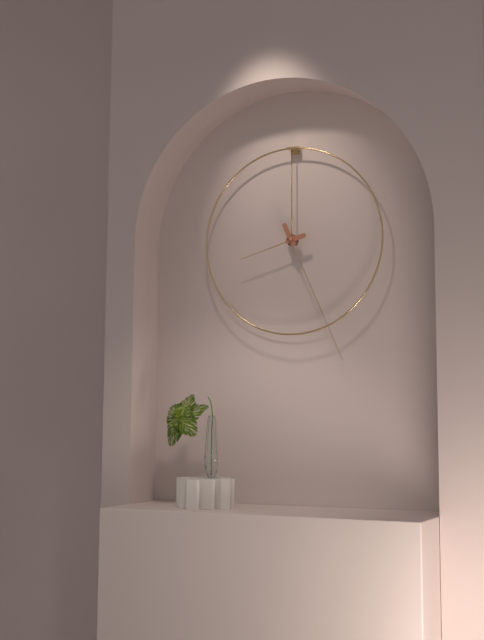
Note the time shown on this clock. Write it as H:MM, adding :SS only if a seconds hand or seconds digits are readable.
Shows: 8:26
